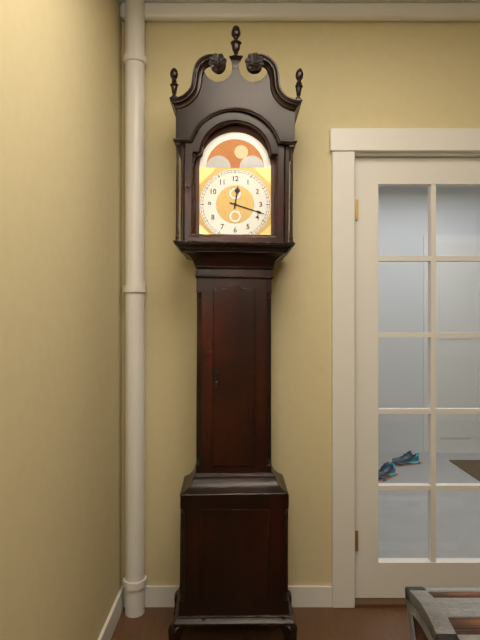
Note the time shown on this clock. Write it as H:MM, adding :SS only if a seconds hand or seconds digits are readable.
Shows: 12:18
